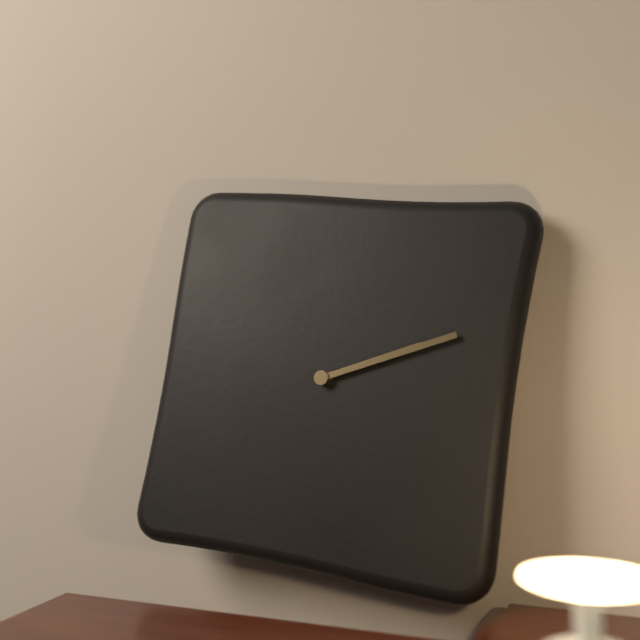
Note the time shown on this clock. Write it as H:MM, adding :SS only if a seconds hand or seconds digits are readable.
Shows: 2:11
